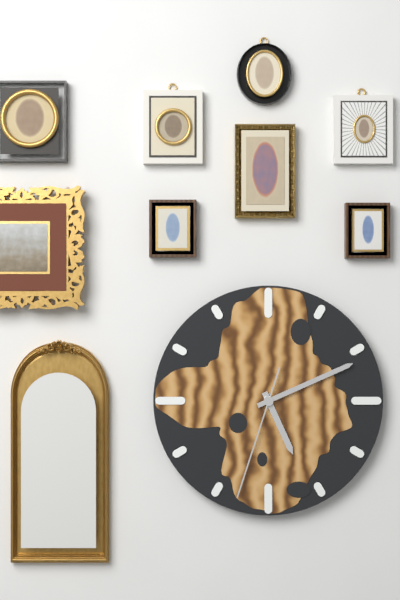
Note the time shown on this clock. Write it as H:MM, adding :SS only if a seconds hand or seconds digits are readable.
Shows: 5:11:33
